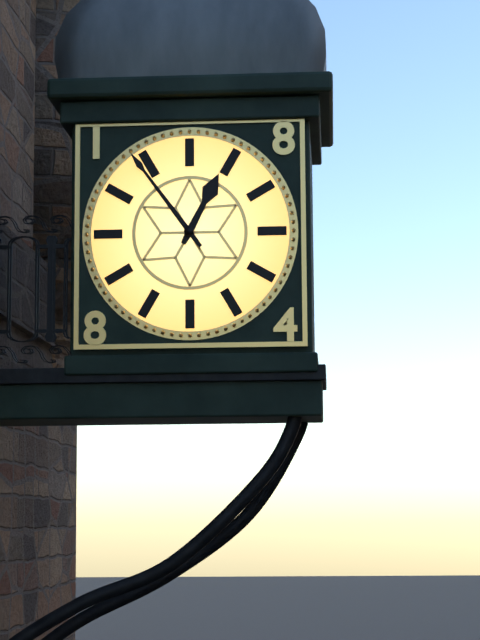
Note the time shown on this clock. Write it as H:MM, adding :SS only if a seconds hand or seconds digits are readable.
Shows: 12:54
